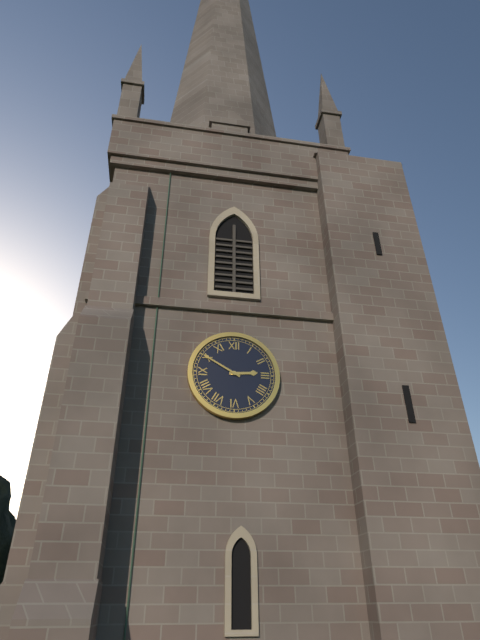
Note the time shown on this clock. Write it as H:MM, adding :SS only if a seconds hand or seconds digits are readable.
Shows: 2:50
